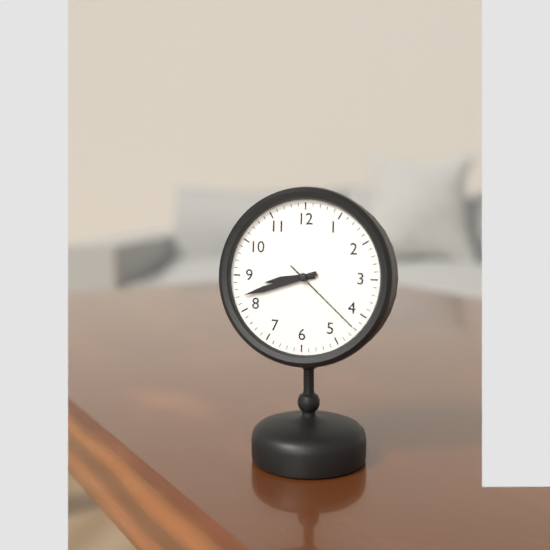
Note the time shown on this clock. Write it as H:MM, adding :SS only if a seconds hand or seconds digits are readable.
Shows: 8:42:22
